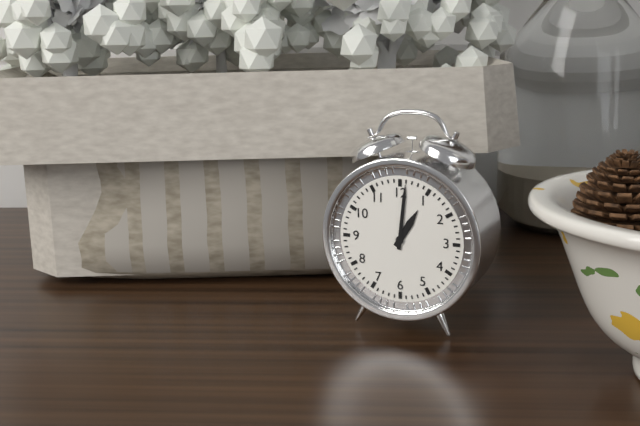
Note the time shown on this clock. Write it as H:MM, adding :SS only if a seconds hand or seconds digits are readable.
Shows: 1:01
